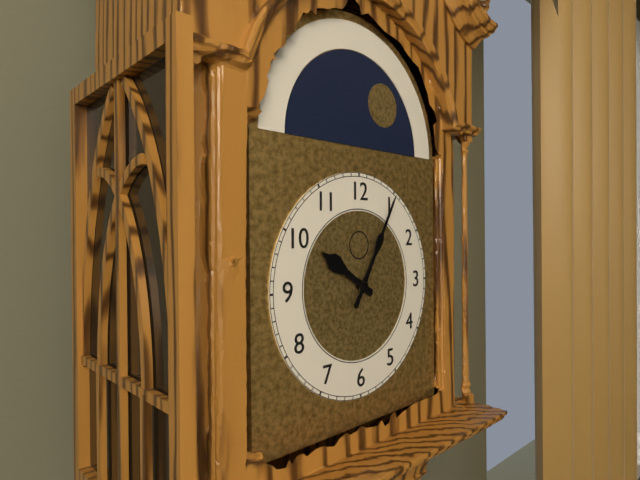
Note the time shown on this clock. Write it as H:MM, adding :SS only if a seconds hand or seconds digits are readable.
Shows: 10:05
